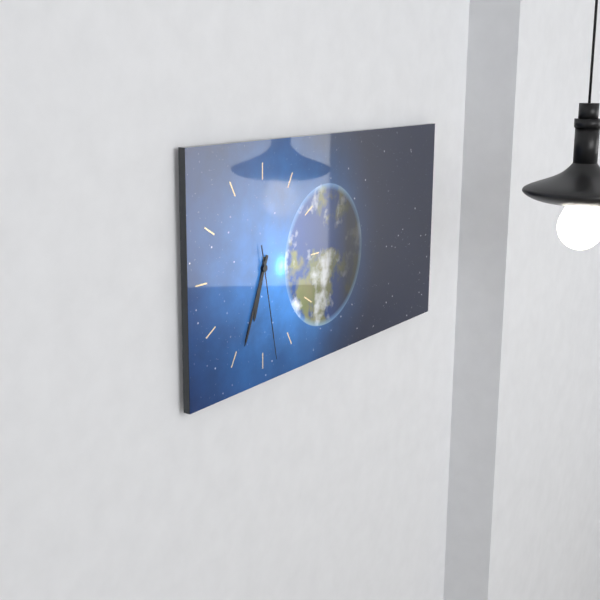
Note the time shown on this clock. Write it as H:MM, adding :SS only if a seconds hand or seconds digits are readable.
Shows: 6:34:28
